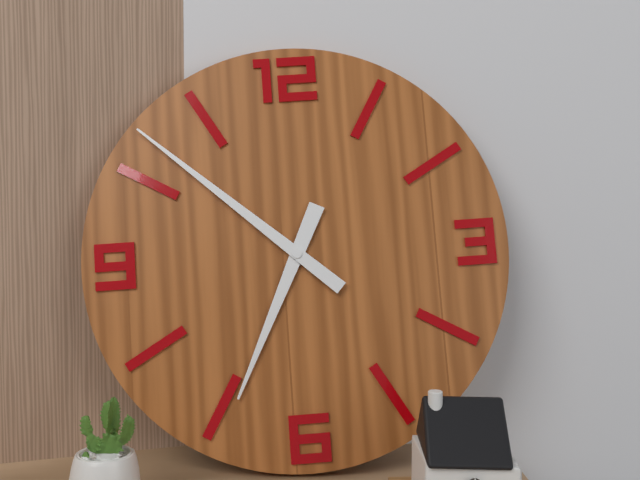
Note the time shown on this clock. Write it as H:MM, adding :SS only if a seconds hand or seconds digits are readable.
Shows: 6:52
